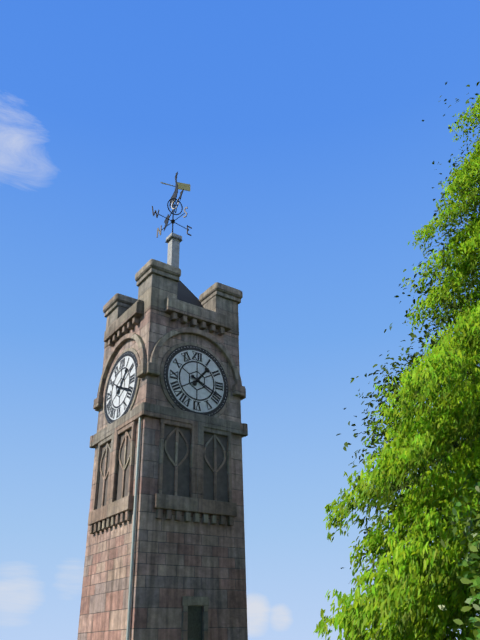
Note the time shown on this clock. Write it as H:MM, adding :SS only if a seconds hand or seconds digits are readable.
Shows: 1:19
